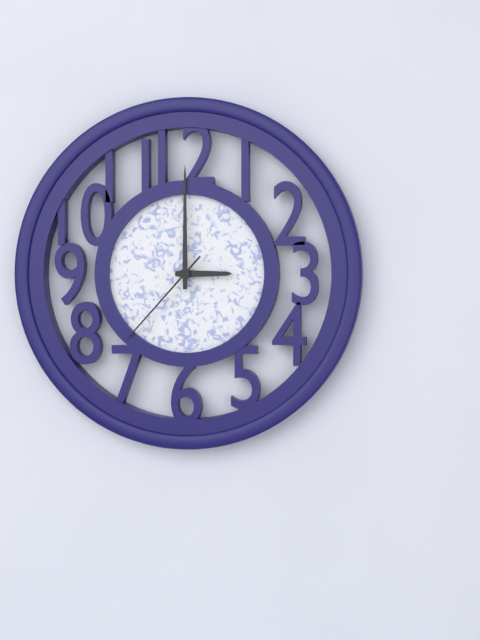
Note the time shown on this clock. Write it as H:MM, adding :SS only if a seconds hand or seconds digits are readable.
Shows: 3:00:37
